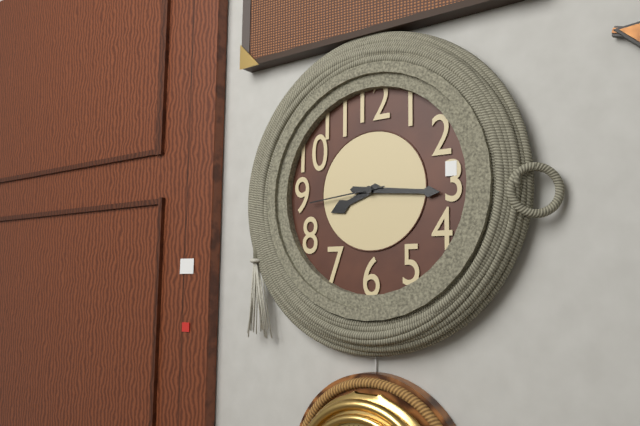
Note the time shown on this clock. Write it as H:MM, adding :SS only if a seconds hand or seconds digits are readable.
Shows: 8:16:44
